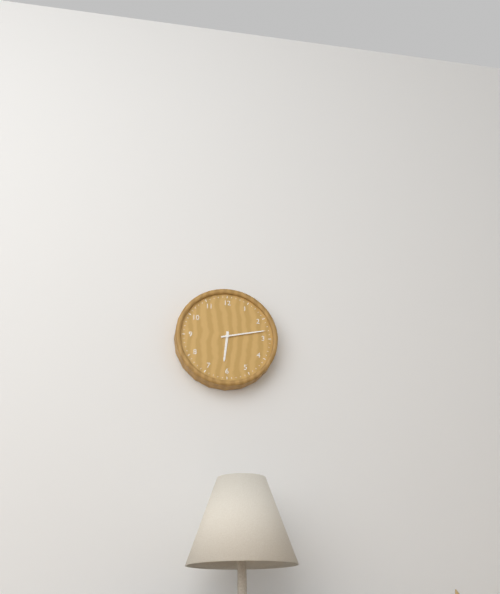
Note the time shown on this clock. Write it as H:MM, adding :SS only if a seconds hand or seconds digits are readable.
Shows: 6:13
